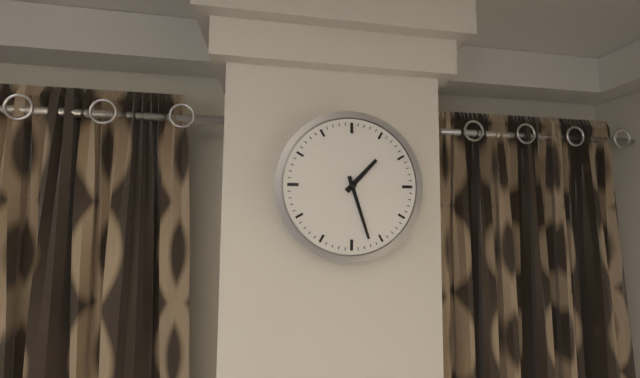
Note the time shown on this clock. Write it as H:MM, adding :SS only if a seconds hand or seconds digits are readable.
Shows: 1:27
